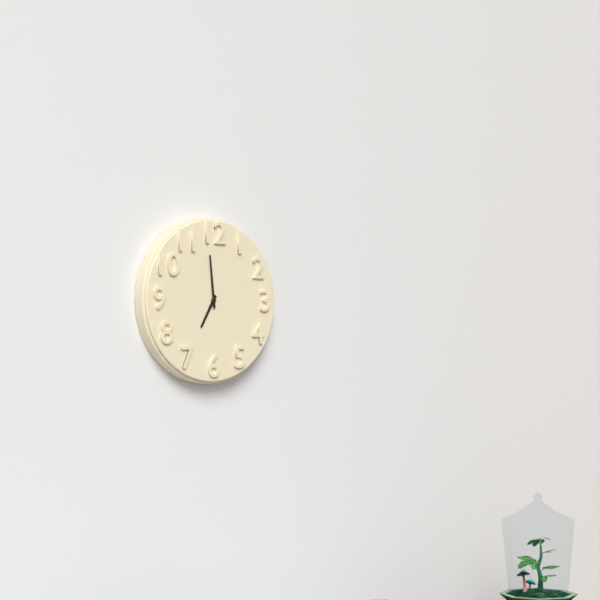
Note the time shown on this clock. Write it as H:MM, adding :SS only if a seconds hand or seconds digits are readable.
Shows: 6:59
